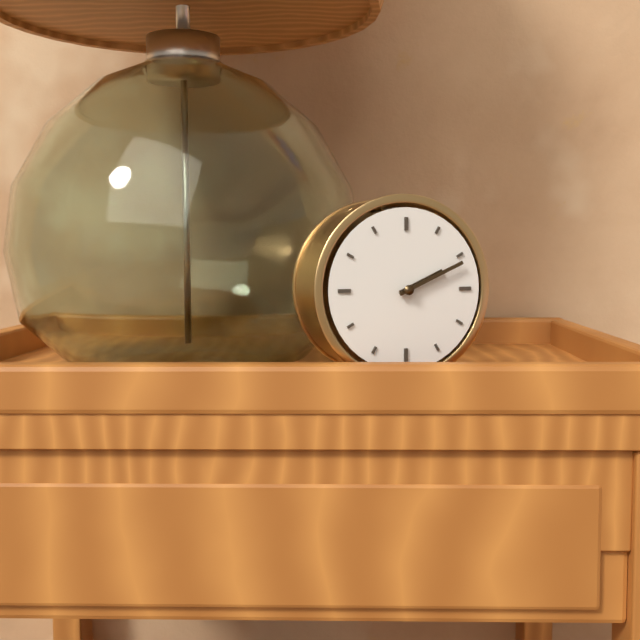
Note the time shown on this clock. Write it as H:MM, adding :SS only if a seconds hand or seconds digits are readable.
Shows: 2:11
